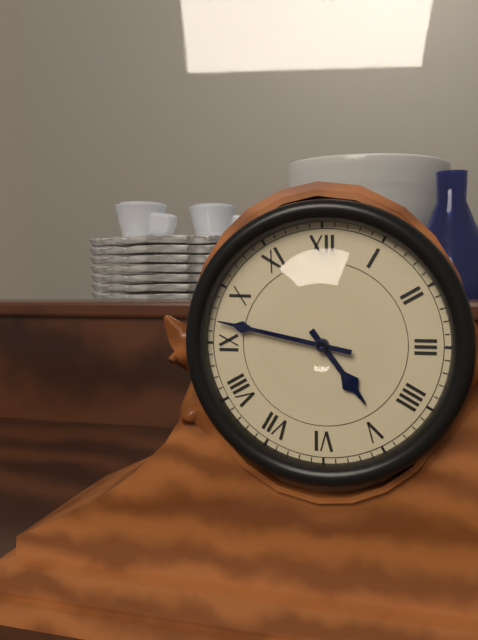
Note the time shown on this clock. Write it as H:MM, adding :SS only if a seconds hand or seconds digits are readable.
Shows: 4:47
